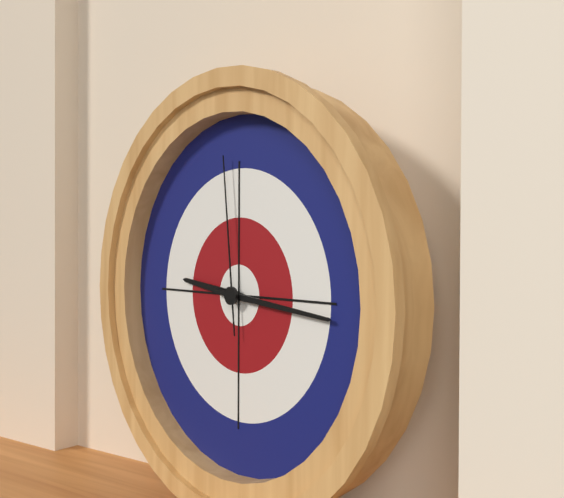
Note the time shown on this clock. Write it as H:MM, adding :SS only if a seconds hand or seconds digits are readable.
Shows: 9:16:59
